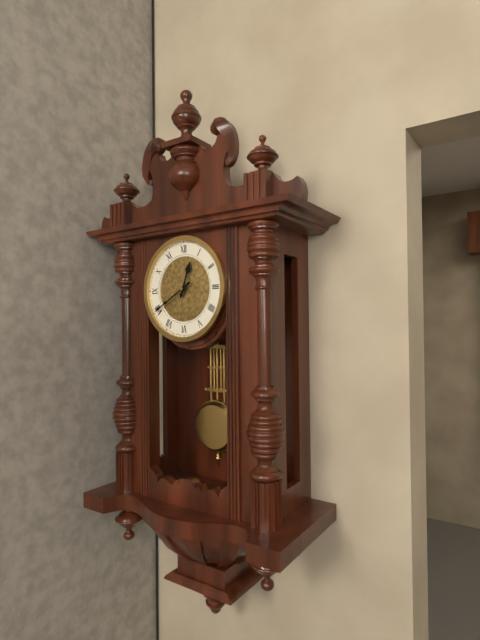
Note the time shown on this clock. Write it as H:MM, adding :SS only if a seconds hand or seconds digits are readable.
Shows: 12:40
